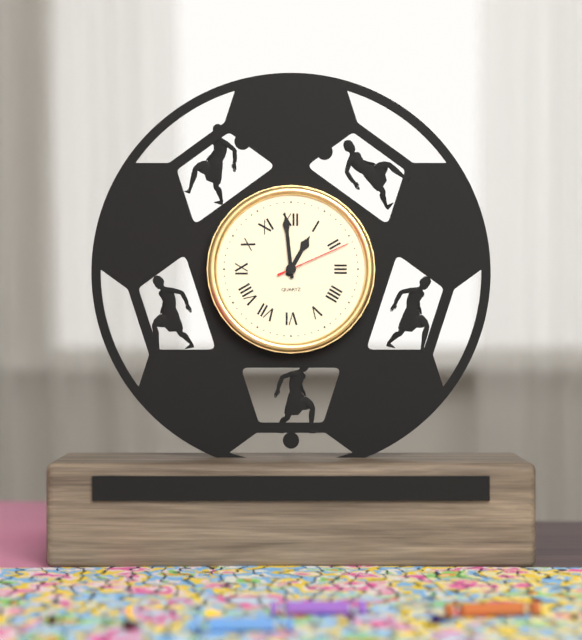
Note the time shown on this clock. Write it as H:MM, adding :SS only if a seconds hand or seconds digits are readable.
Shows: 12:59:11
